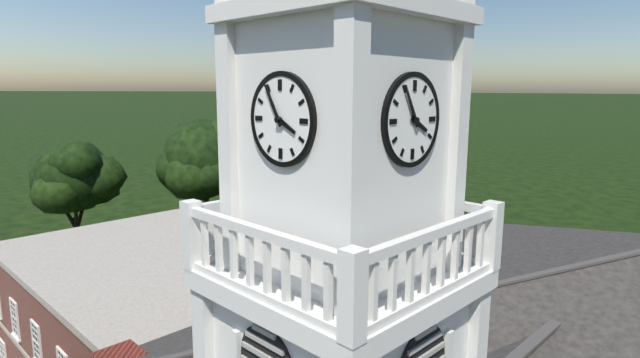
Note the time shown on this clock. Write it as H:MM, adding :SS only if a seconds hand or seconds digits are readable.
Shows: 3:55
